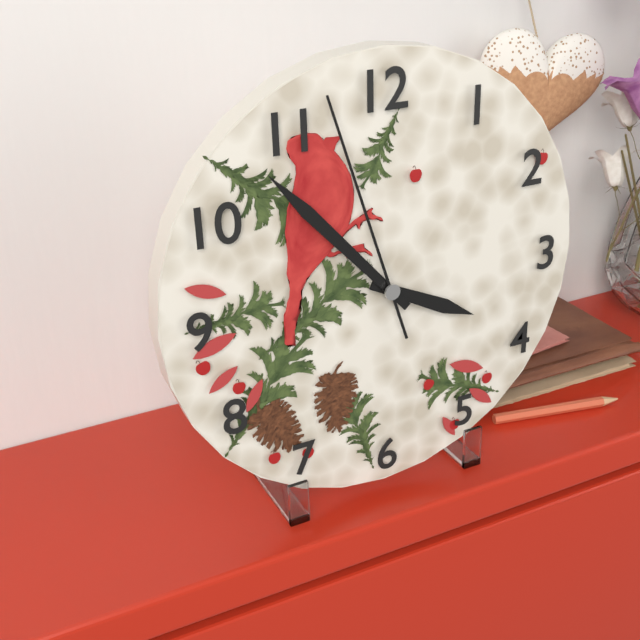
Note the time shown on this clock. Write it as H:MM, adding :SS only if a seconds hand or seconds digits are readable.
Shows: 3:53:57
